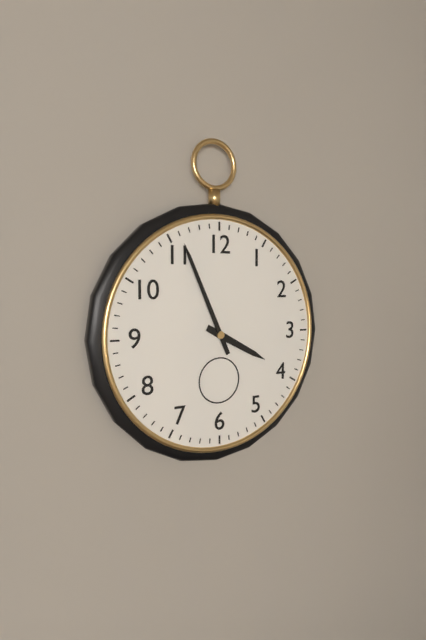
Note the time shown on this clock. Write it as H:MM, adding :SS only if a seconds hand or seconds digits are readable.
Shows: 3:56
